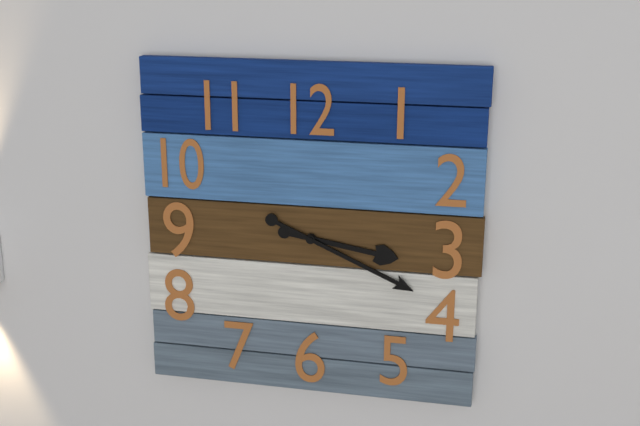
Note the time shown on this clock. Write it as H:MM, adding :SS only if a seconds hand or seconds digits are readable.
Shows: 3:19
